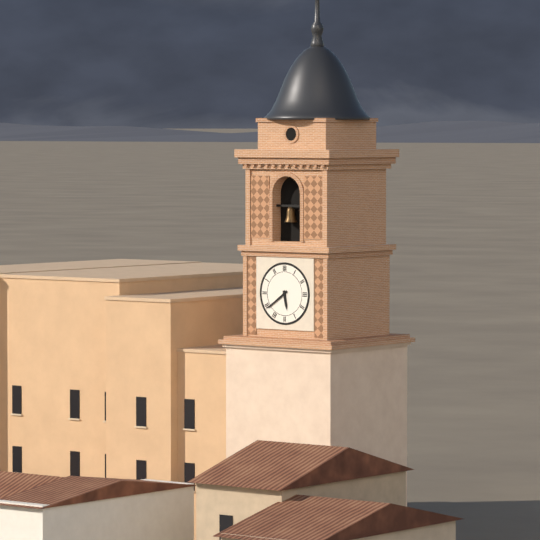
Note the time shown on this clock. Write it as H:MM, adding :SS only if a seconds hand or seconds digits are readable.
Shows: 5:39
